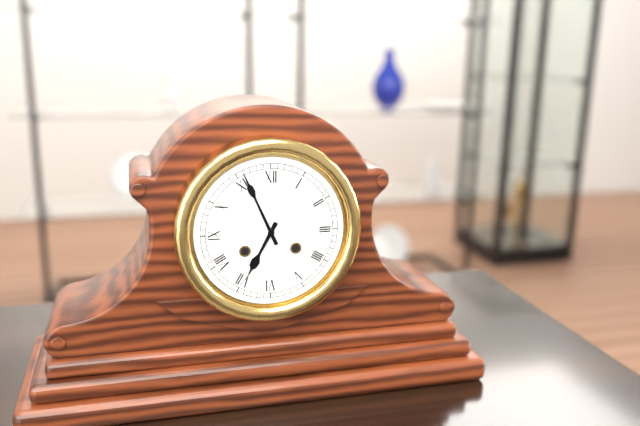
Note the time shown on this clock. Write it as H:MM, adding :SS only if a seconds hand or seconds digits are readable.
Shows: 6:56
